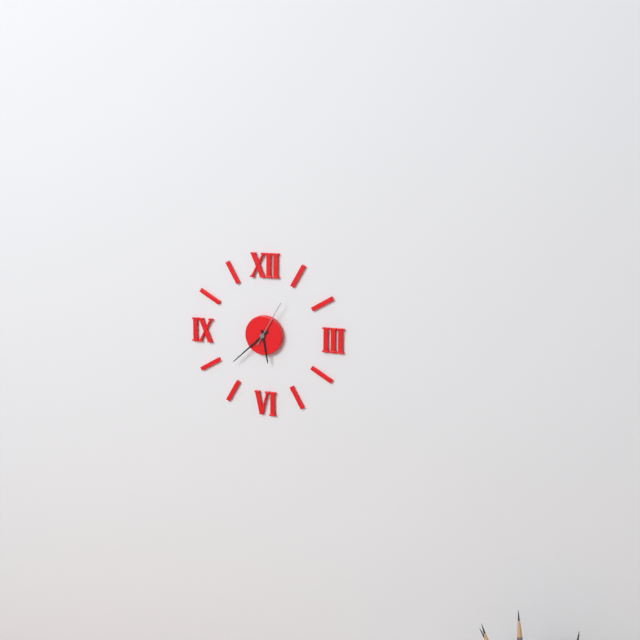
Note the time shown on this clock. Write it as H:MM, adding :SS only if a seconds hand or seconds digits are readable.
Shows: 5:38
